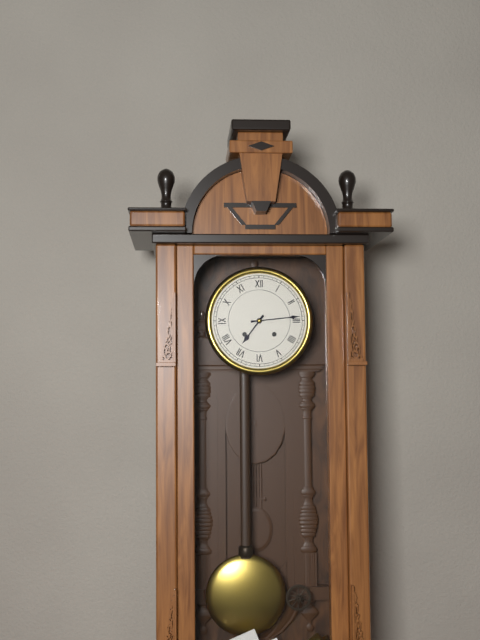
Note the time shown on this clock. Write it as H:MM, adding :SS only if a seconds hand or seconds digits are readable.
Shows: 7:14
